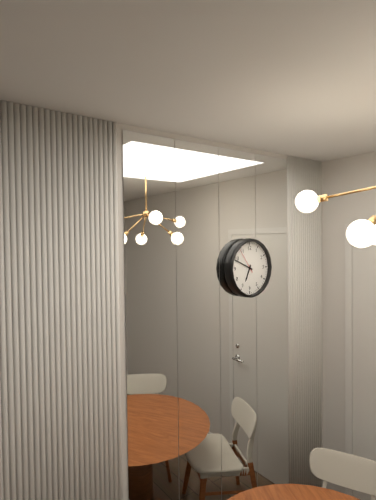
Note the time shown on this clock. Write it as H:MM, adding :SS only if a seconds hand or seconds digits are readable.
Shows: 6:49
